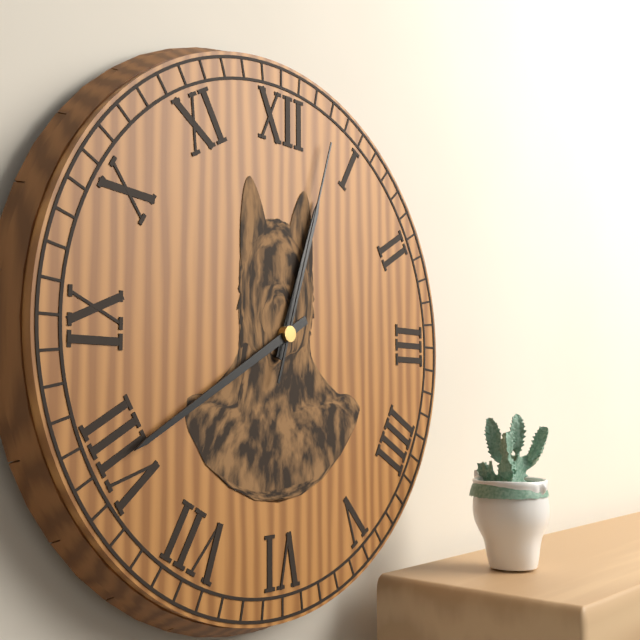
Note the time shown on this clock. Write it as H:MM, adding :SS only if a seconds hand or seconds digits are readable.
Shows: 12:40:03
